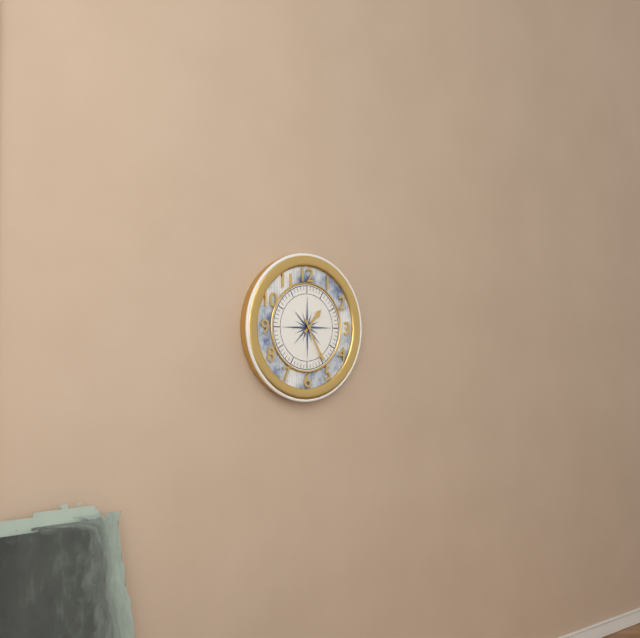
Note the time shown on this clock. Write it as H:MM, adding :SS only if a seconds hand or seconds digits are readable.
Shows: 1:25
